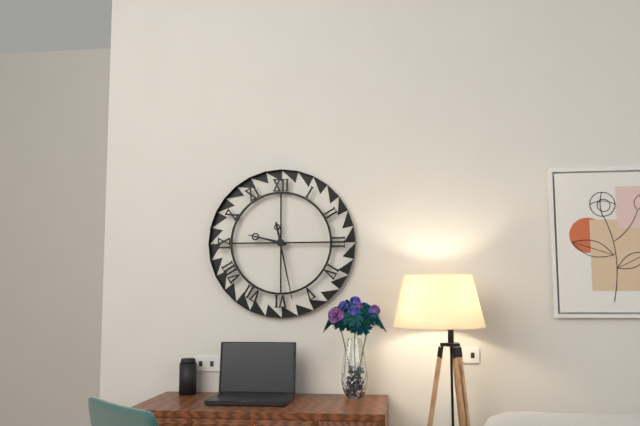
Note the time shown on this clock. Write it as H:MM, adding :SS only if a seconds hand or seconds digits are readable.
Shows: 9:28
